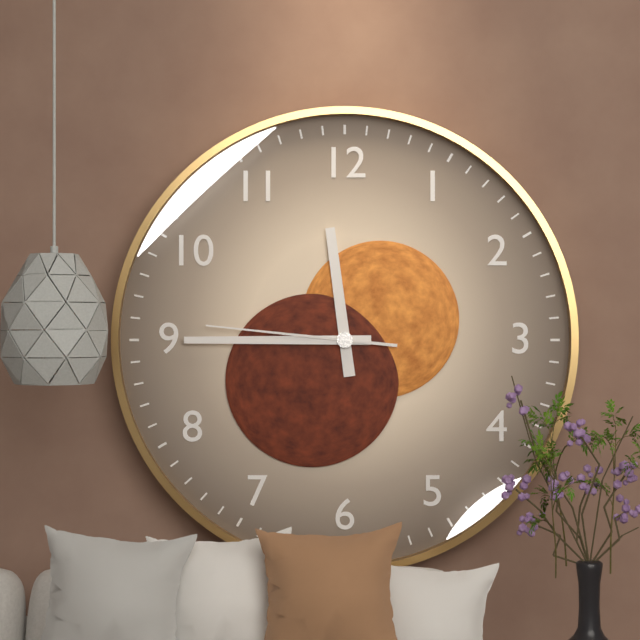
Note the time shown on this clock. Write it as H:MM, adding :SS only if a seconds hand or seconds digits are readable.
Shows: 11:45:46
